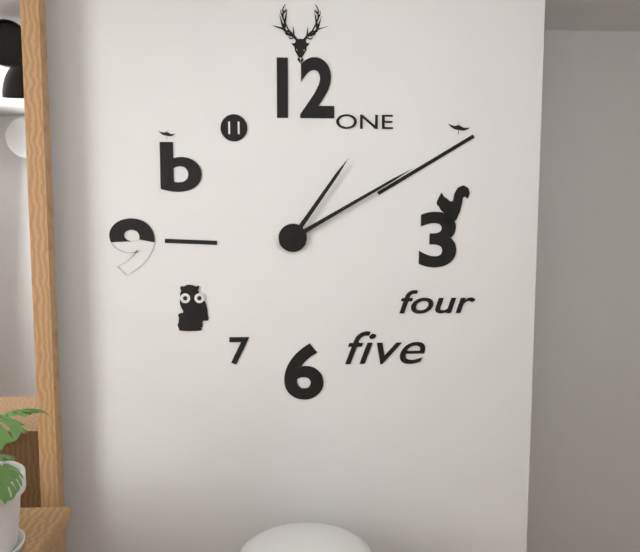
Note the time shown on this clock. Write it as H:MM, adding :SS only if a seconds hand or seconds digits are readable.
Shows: 1:10
